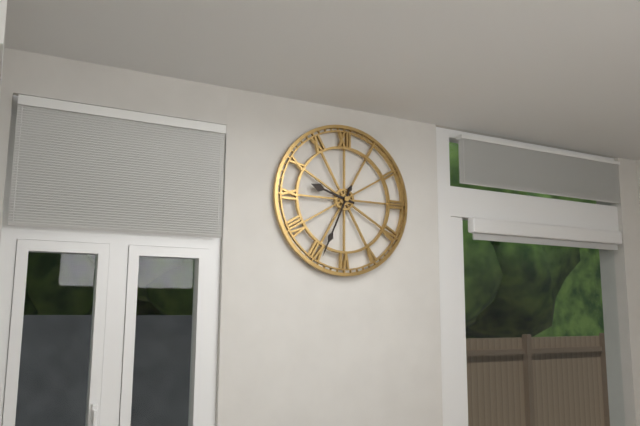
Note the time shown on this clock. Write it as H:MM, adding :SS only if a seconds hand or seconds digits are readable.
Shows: 9:34
